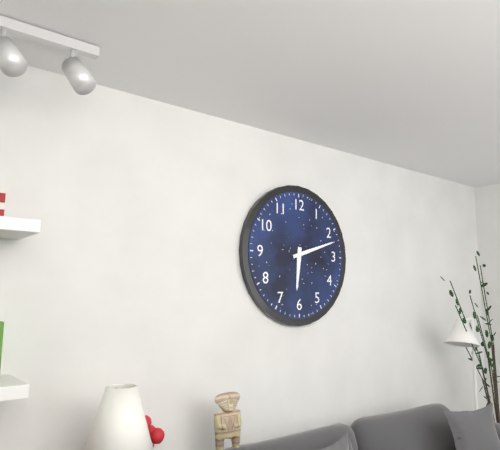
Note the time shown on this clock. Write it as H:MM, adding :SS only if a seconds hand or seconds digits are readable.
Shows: 6:12
